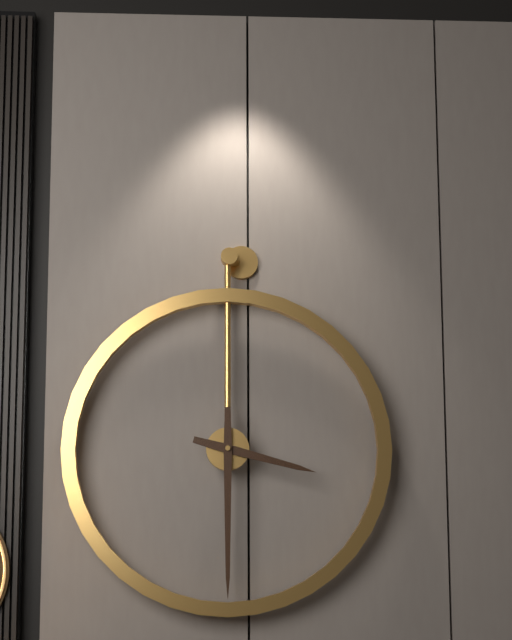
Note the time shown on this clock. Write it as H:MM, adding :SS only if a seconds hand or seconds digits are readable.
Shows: 3:30
